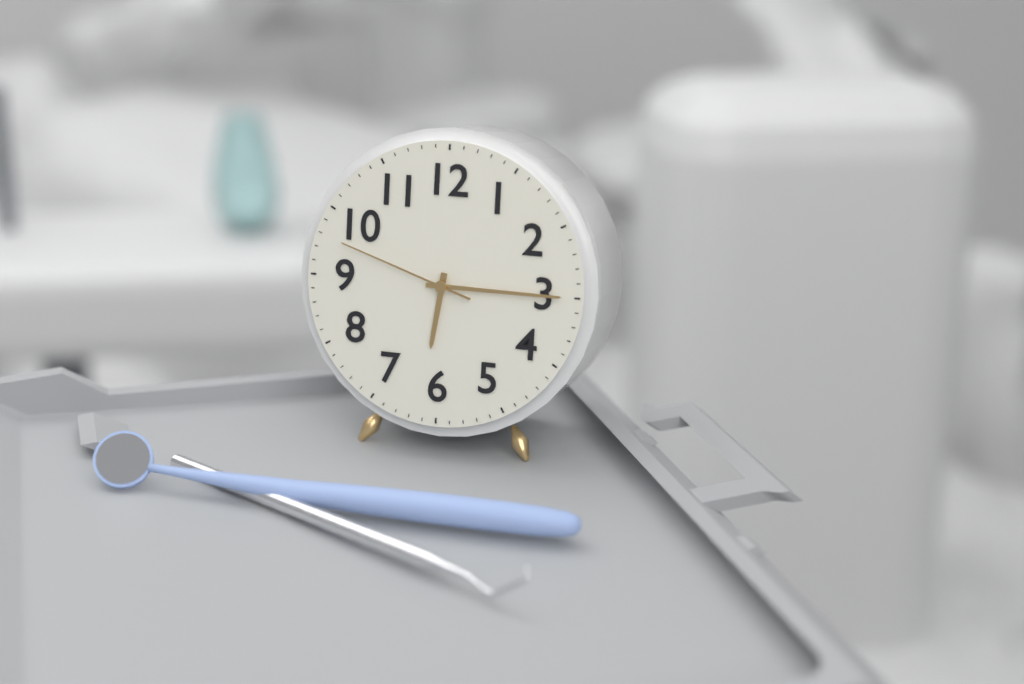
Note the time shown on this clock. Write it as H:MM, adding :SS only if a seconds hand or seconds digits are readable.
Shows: 6:15:48
